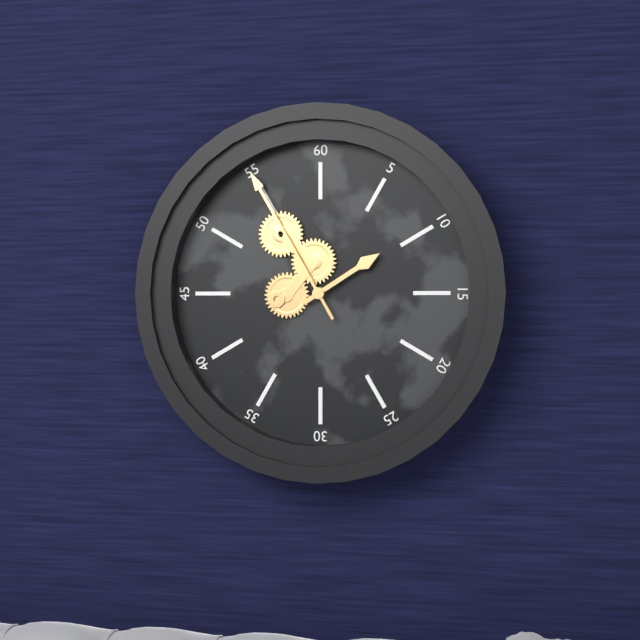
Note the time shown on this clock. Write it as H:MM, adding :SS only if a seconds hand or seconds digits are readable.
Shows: 1:55
